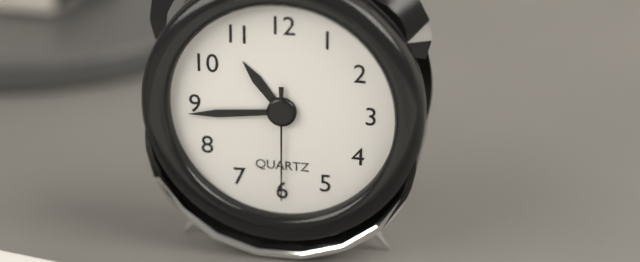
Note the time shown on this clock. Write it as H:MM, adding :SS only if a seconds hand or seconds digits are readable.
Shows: 10:44:30
